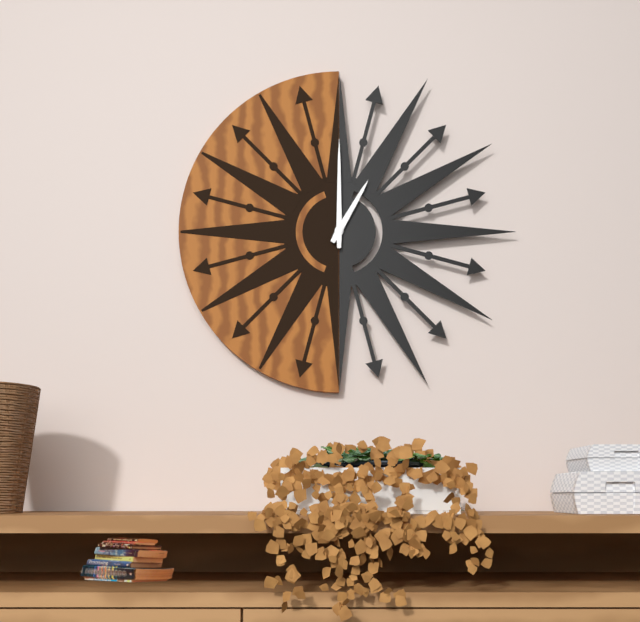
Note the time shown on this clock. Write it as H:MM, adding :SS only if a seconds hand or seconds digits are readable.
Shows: 1:00
